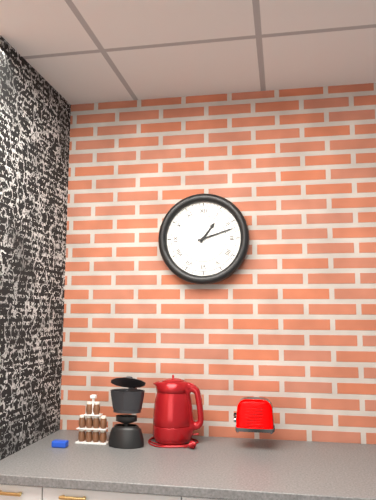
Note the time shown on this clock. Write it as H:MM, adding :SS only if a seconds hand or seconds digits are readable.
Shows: 1:12
